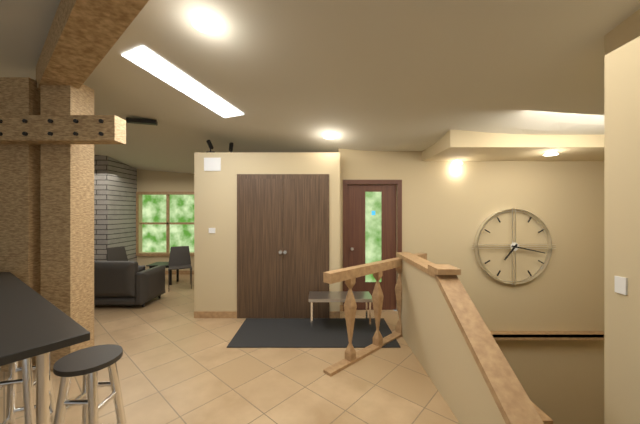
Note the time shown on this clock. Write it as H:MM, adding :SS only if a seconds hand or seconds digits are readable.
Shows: 7:17
